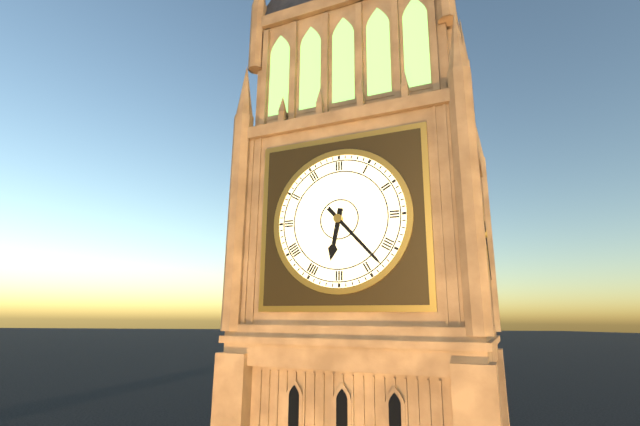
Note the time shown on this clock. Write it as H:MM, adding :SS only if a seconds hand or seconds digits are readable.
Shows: 6:23
